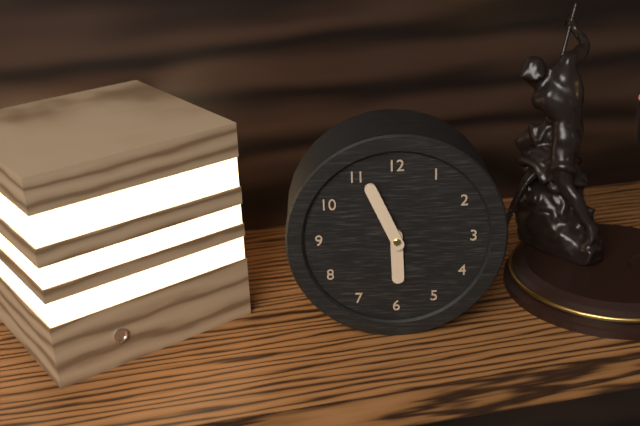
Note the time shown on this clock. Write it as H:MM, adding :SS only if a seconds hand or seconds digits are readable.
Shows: 5:56
